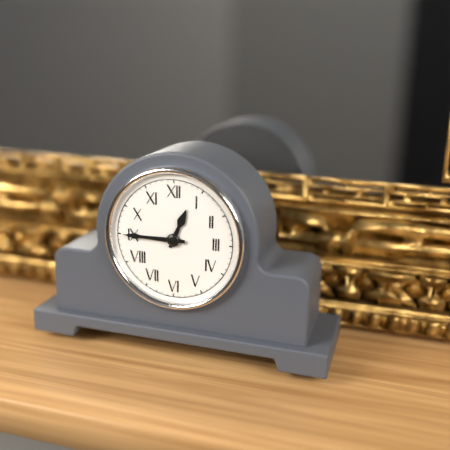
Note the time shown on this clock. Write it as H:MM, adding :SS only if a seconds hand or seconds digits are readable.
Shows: 12:45
